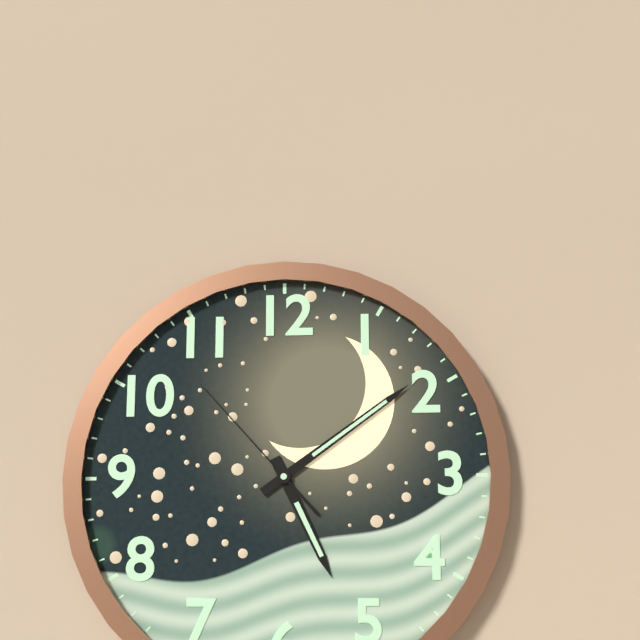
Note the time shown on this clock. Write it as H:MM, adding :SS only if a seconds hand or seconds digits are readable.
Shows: 5:09:53
